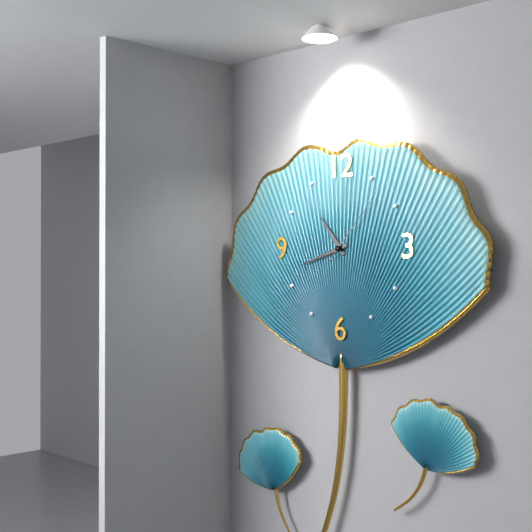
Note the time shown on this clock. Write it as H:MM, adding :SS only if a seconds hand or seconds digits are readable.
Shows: 10:42:07
